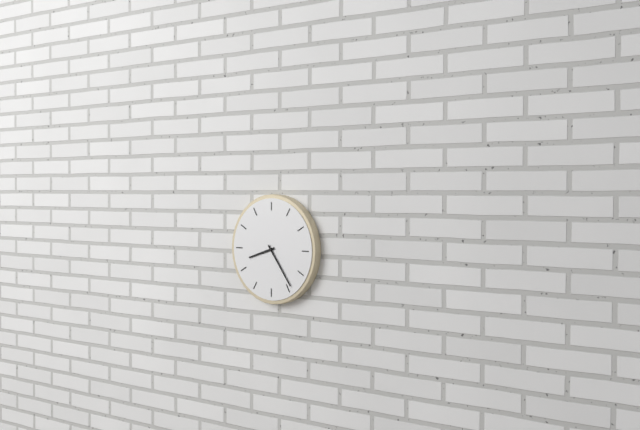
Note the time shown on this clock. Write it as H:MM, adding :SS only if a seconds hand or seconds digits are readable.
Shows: 8:24
